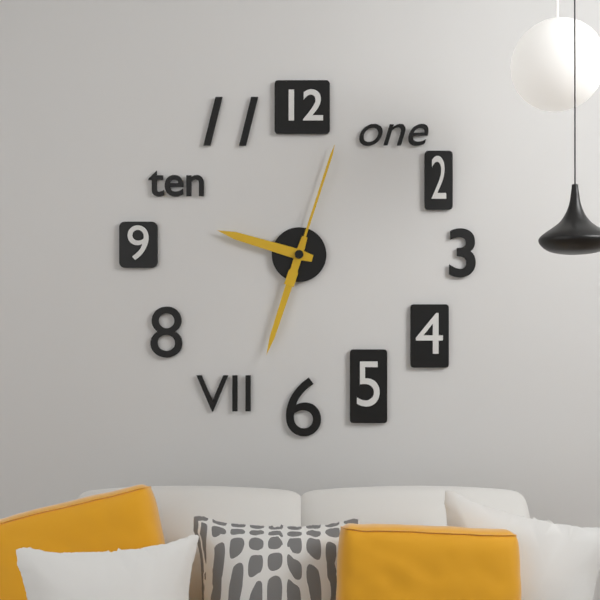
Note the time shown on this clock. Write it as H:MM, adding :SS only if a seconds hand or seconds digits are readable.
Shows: 9:33:03
